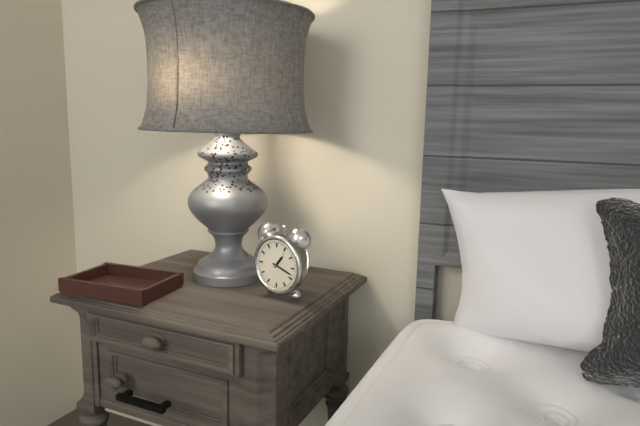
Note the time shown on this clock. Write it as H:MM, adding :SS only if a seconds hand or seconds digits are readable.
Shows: 1:18
